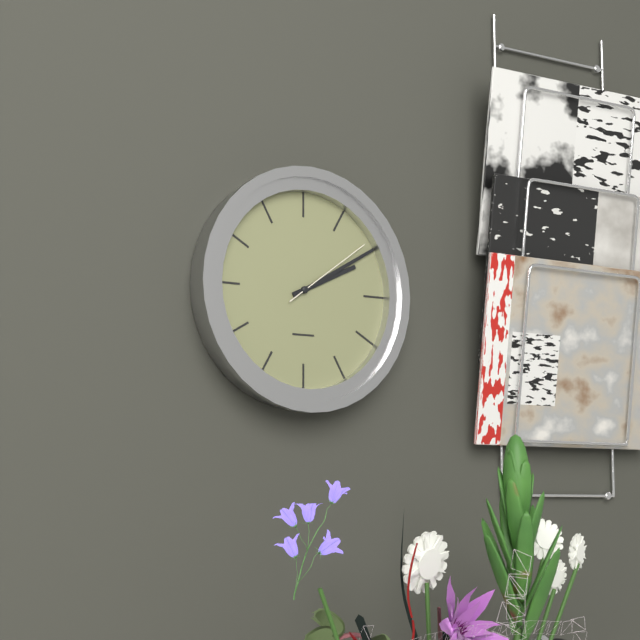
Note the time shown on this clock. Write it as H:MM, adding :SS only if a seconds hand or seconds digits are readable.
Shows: 2:10:09
